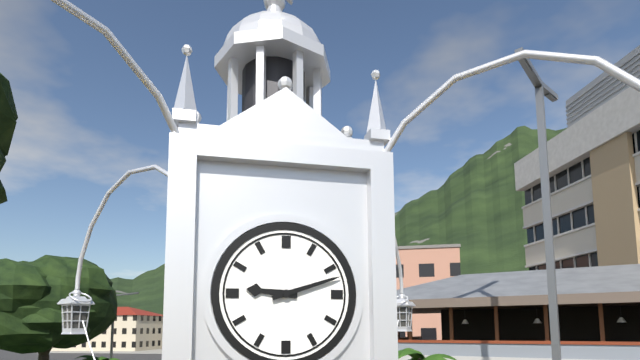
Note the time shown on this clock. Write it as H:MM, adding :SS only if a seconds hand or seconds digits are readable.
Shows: 9:12
